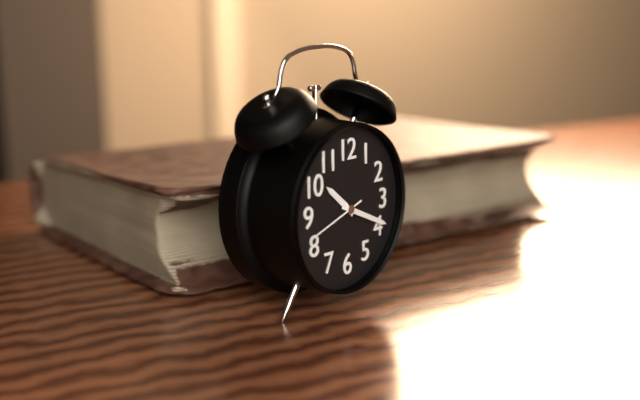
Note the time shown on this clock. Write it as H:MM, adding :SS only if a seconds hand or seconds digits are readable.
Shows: 10:19:42
